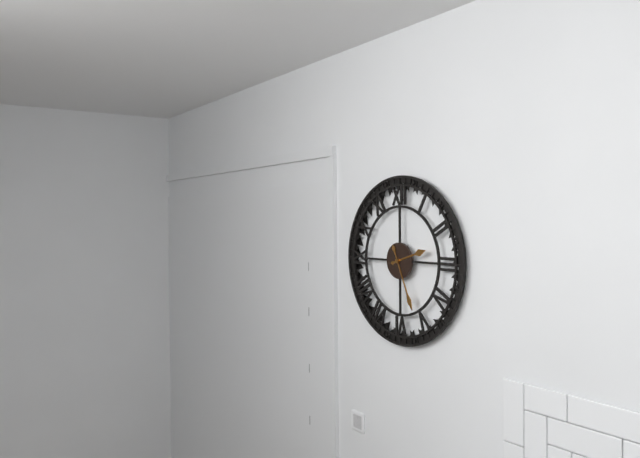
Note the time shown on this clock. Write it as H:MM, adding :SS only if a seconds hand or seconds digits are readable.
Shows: 2:26
